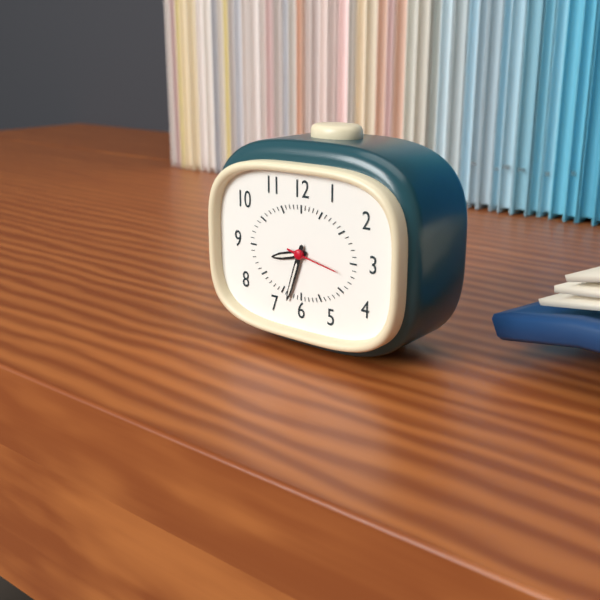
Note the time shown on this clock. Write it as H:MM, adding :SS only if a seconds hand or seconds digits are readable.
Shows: 8:33:17
